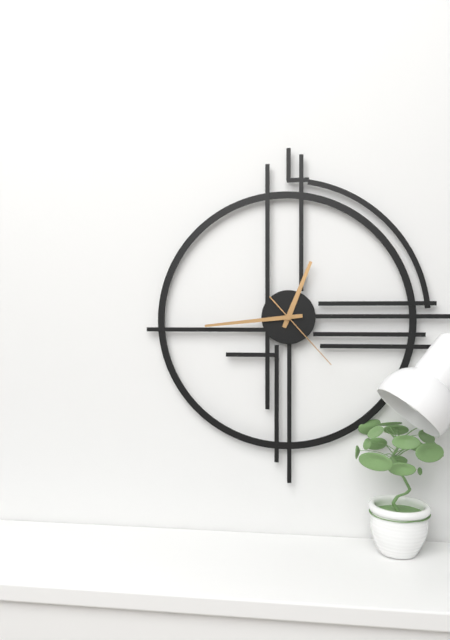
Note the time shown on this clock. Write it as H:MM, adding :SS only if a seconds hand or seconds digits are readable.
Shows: 12:44:23
